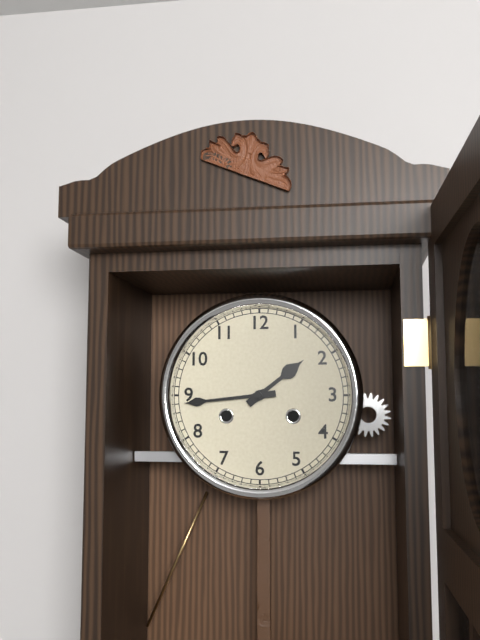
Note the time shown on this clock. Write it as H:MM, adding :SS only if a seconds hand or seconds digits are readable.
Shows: 1:44
